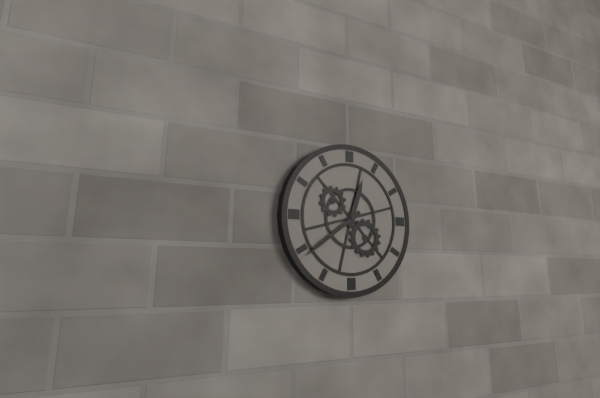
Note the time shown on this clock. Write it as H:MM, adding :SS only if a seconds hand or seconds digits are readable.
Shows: 12:39
